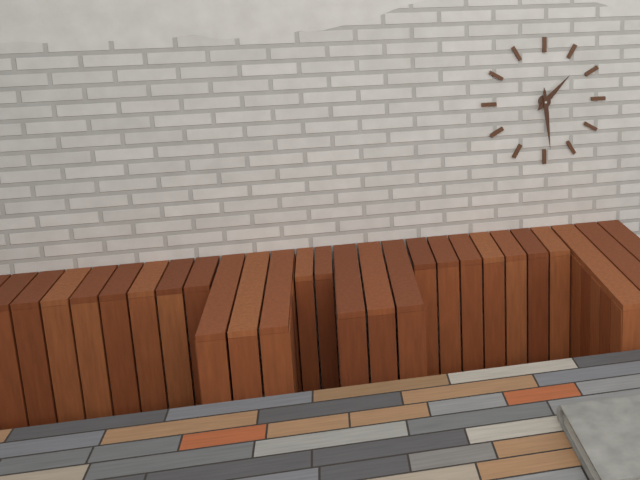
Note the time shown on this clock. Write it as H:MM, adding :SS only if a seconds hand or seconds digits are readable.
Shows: 1:29
